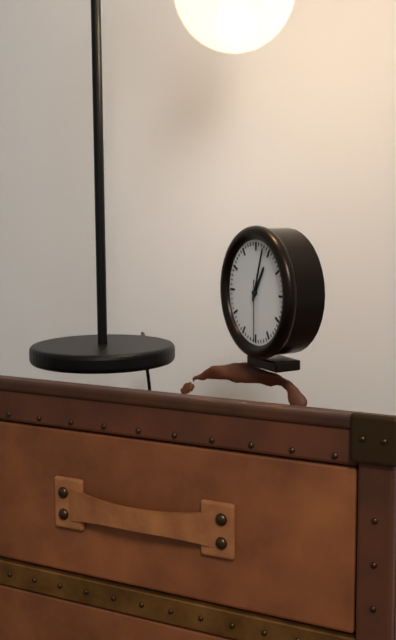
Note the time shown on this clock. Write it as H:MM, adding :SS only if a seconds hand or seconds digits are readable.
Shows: 1:03:30
